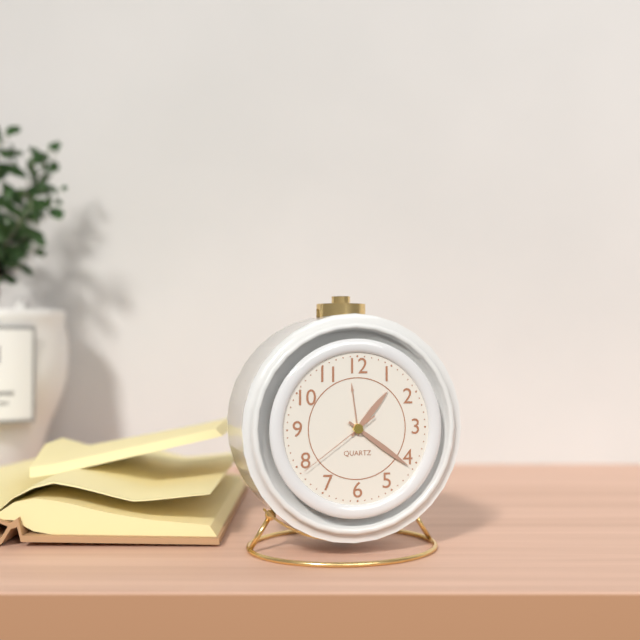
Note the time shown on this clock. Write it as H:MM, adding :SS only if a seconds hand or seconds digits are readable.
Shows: 1:21:39
